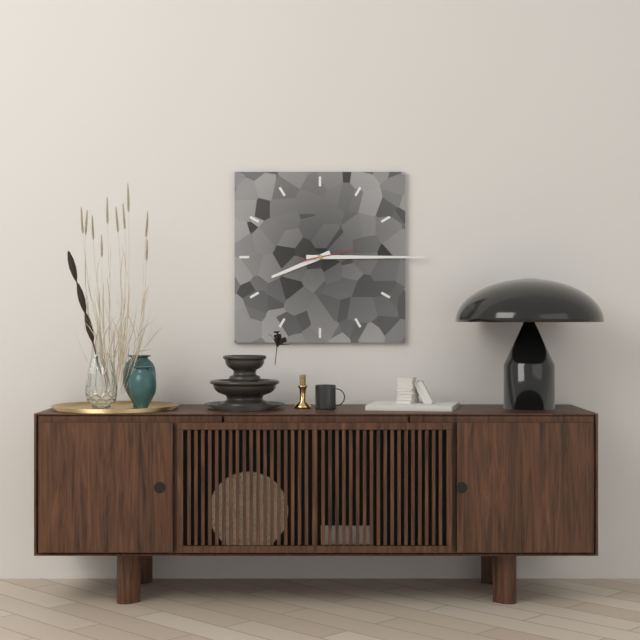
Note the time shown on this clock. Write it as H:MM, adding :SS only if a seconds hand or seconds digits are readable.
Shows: 8:15
